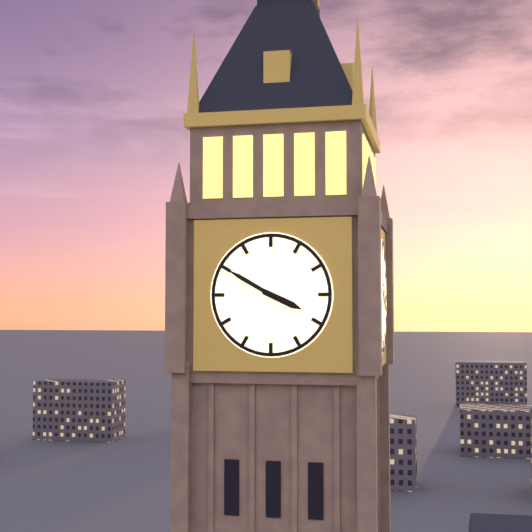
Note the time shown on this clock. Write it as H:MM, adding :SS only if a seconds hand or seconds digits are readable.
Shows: 3:50
